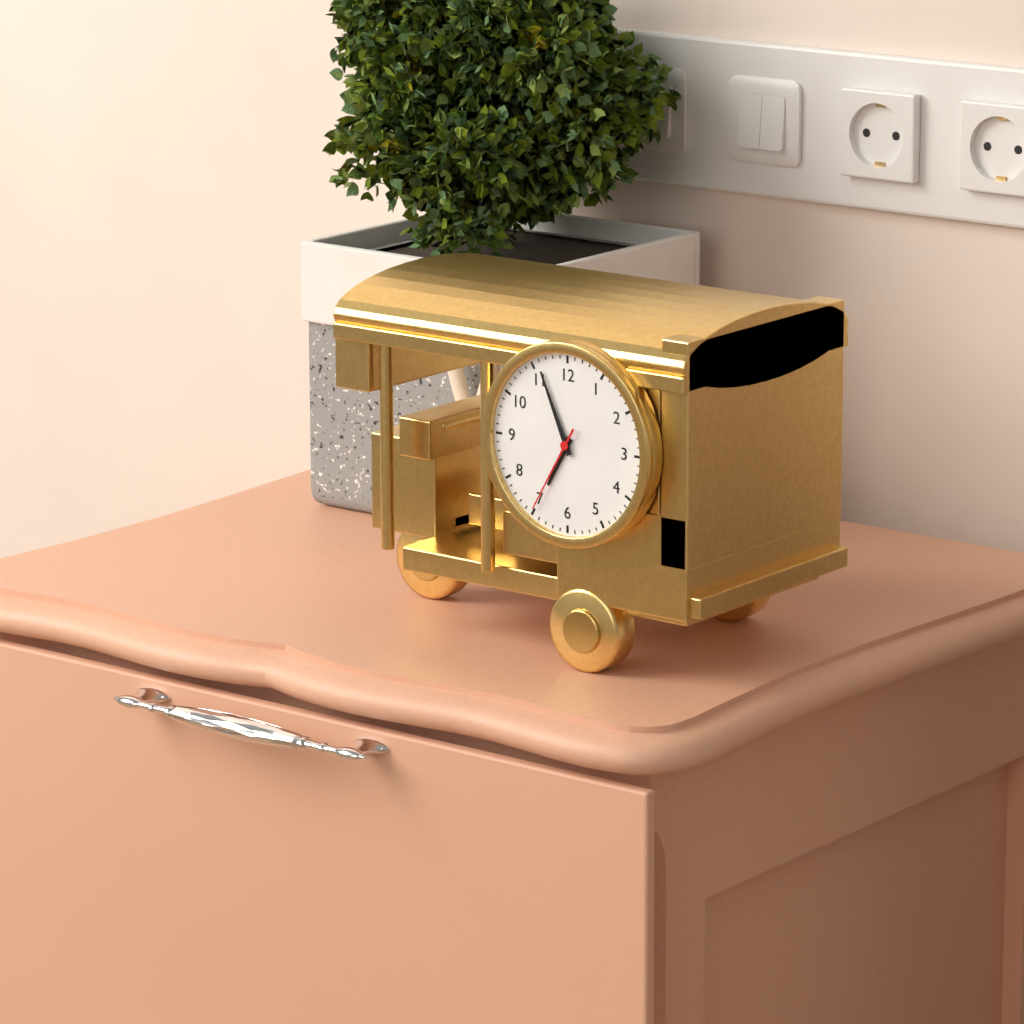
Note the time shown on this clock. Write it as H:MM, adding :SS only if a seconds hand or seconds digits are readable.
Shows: 6:56:35
